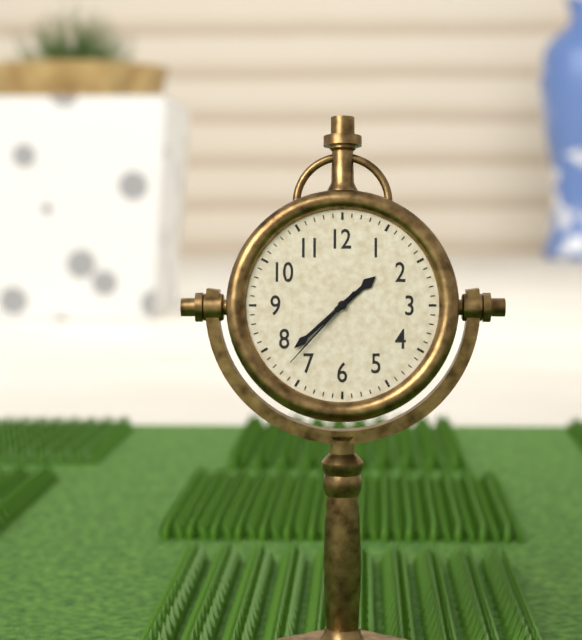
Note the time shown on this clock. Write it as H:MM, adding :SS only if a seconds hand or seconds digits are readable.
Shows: 1:38:37
